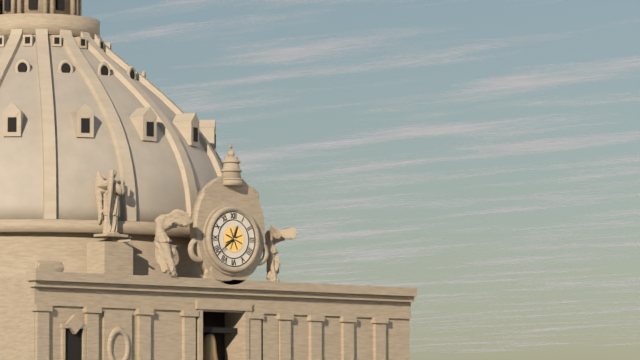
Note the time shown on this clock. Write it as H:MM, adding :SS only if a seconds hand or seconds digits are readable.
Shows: 12:39
